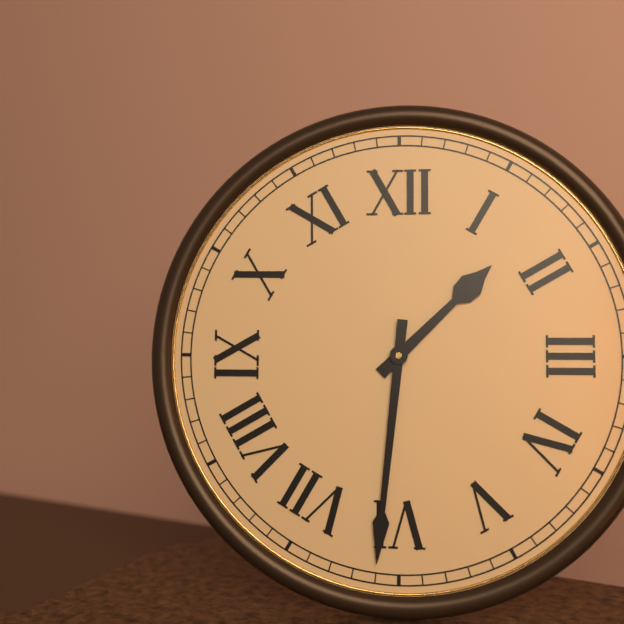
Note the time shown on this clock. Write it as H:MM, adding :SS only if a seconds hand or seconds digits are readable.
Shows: 1:31
